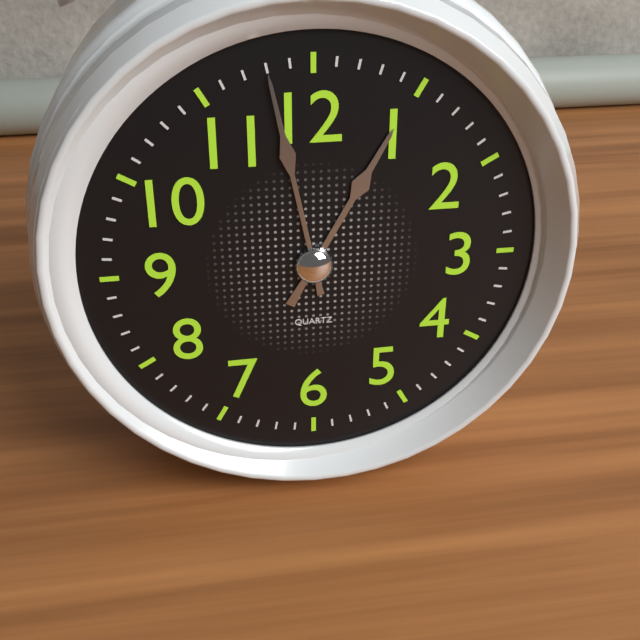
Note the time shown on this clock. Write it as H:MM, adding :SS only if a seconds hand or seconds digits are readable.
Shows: 12:58
